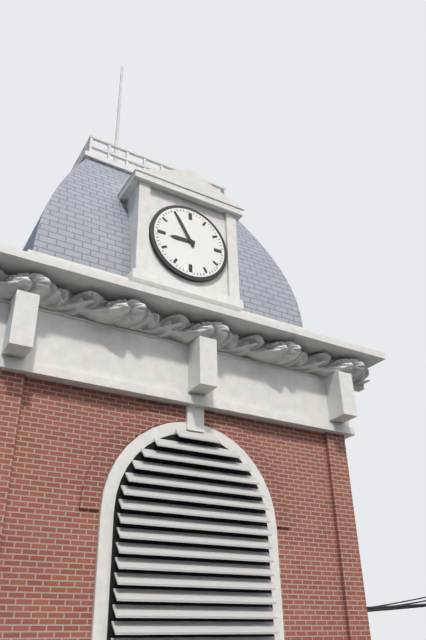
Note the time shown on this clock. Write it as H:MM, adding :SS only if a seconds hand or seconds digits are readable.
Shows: 8:55
